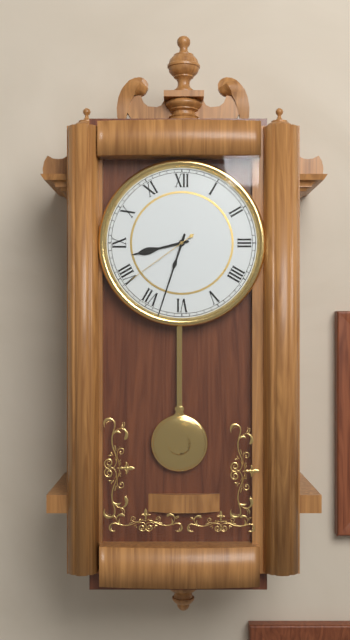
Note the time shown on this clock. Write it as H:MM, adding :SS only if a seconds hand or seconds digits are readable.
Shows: 8:33:39
